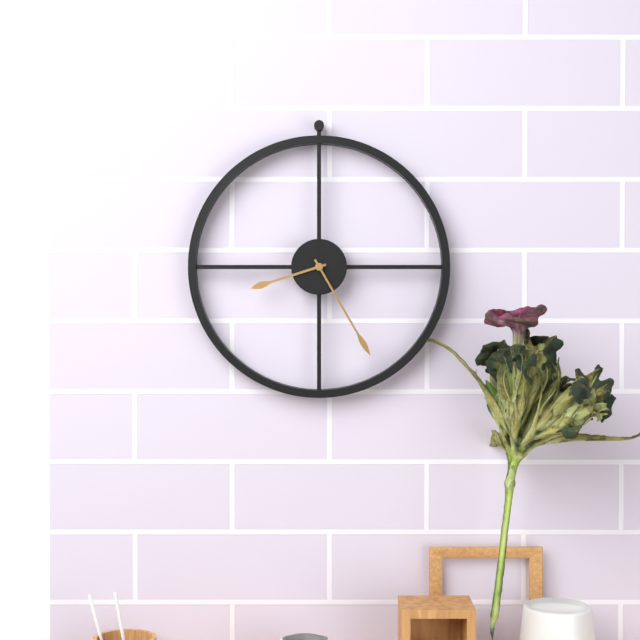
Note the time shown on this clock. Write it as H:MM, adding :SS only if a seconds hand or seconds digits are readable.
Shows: 8:25
